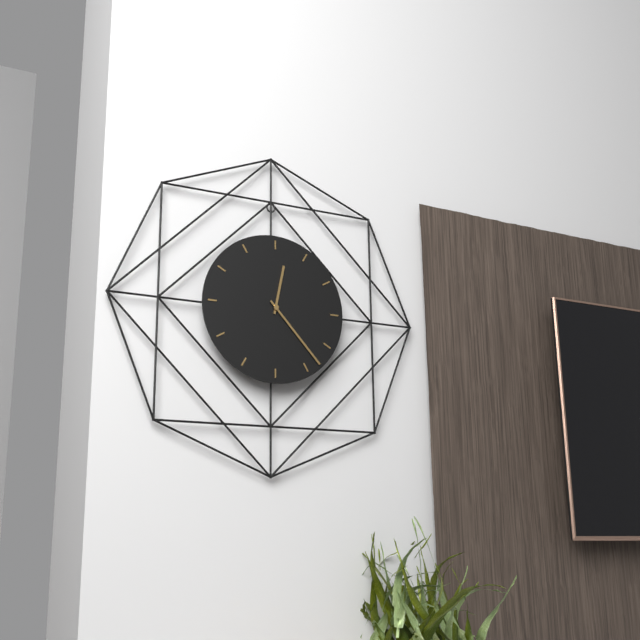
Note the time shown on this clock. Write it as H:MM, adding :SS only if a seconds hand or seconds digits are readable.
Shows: 12:23
